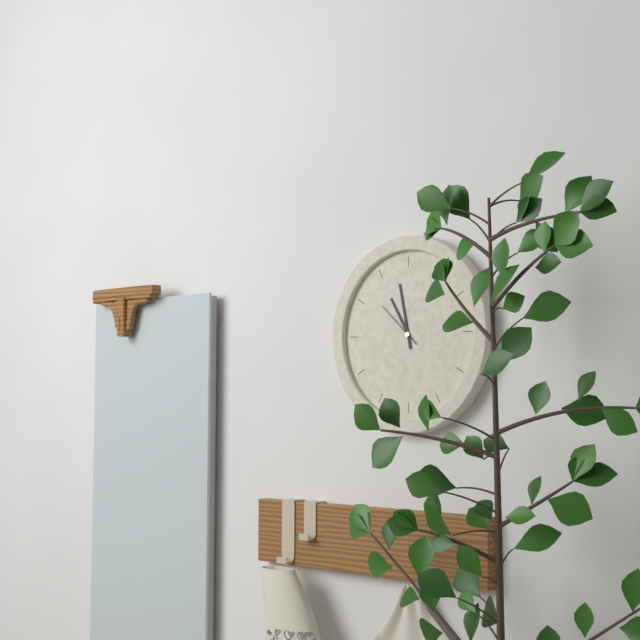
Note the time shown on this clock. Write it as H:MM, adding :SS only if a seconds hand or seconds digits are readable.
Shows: 10:58
